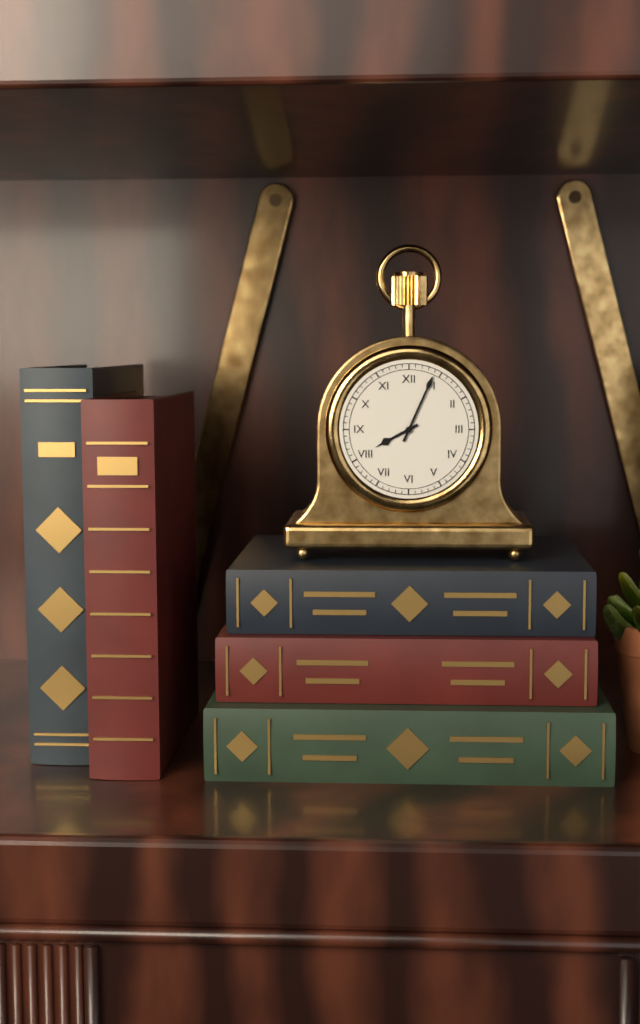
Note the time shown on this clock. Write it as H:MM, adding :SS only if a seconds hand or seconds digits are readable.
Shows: 8:04
